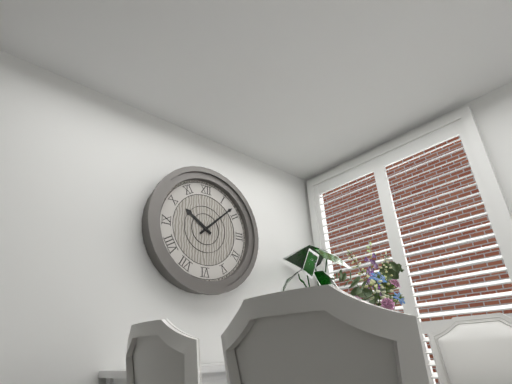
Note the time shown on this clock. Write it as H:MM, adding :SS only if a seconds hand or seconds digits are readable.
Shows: 10:08
